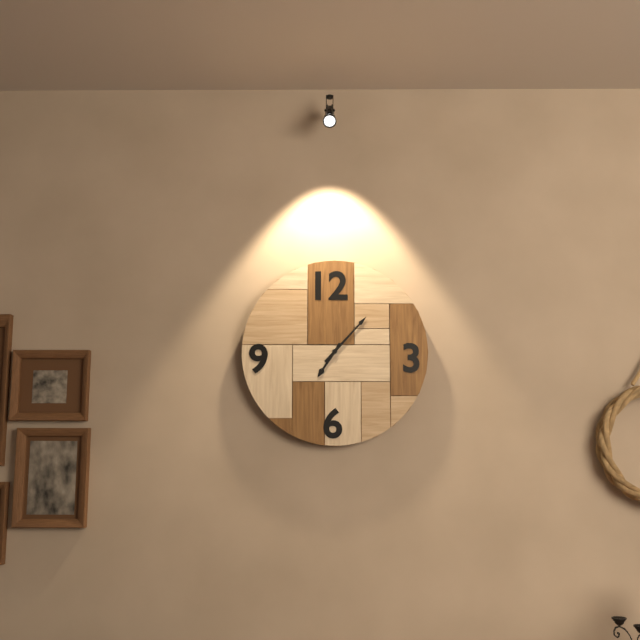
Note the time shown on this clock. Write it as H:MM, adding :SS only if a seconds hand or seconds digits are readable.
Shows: 7:07
